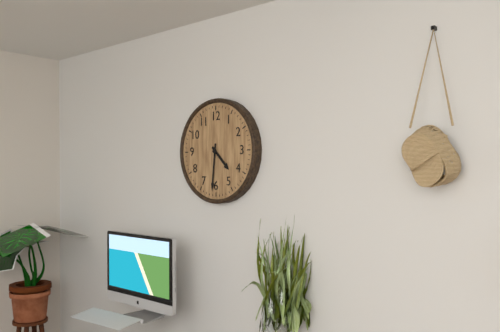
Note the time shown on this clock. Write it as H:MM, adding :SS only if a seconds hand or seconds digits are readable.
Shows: 4:31
